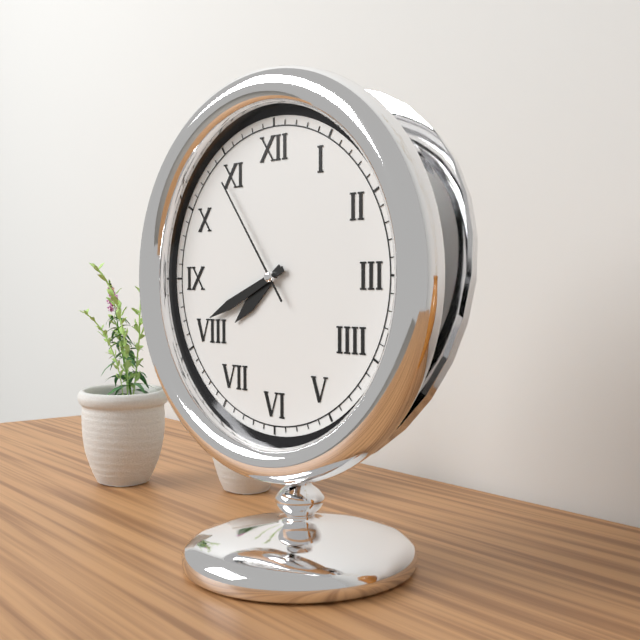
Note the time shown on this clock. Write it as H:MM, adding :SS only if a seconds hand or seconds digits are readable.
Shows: 7:41:54
